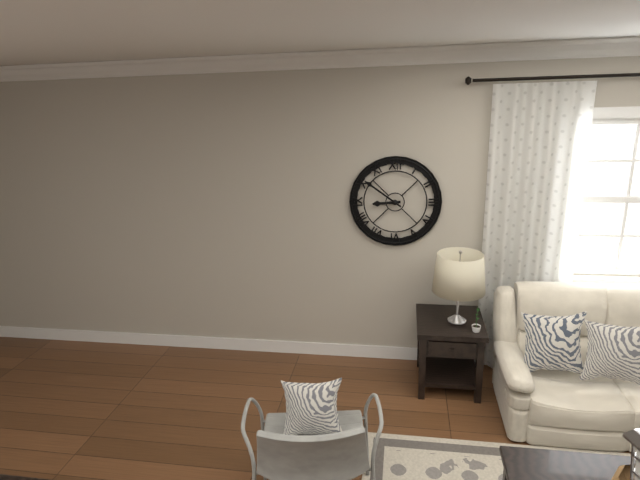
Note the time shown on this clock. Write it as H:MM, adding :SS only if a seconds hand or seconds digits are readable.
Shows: 8:51
